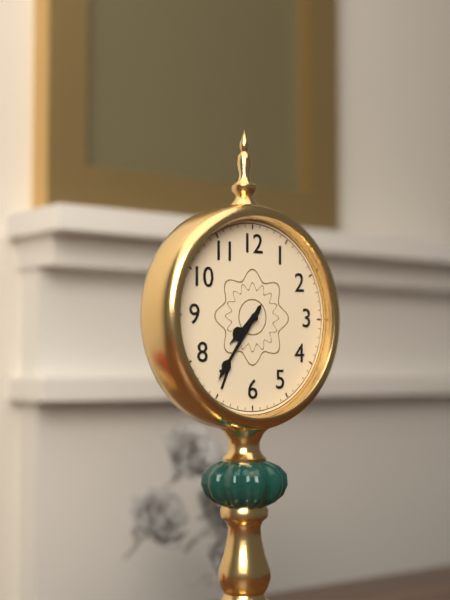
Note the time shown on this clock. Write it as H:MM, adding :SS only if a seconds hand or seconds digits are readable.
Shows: 7:36
